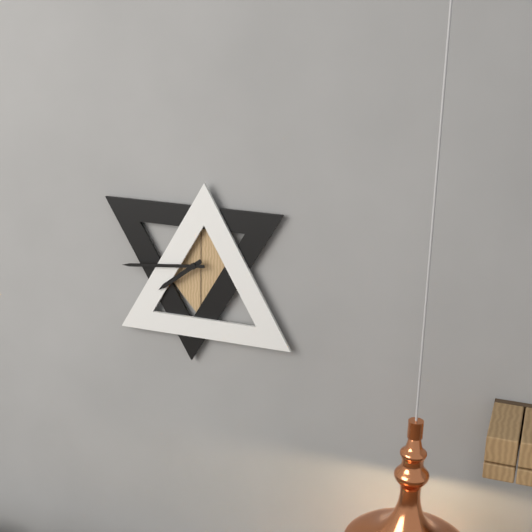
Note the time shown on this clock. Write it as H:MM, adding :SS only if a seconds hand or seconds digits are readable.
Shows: 7:44
